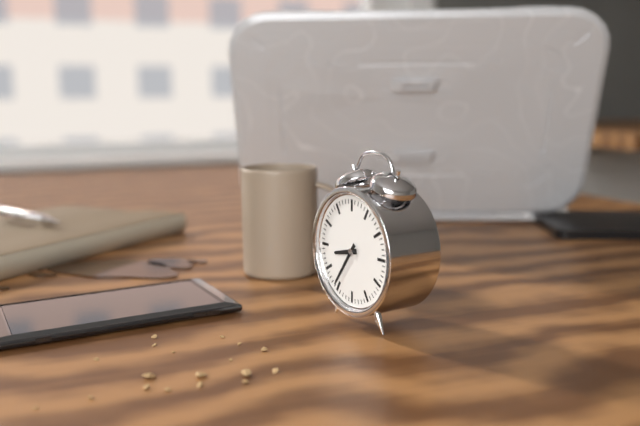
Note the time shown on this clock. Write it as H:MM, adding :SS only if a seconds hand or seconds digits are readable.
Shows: 8:36
